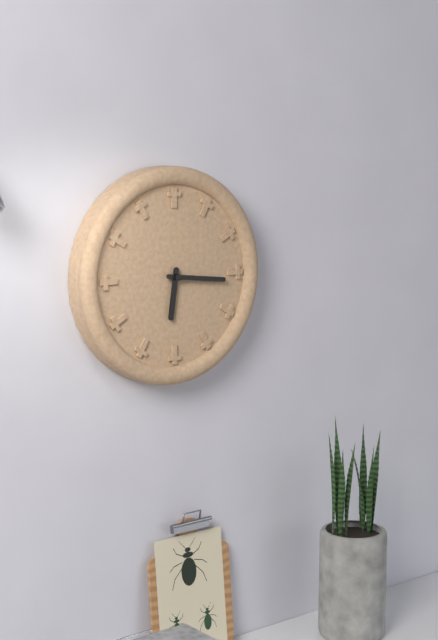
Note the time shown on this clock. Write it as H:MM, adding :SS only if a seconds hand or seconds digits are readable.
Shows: 6:16
